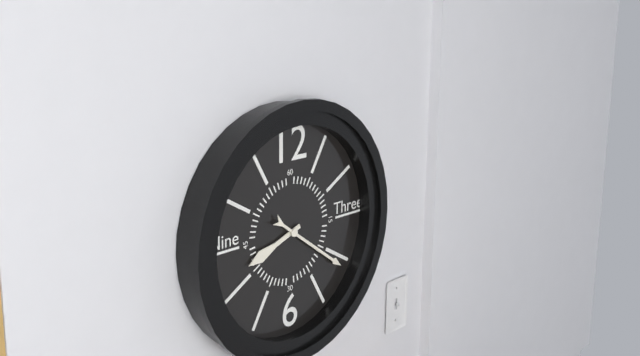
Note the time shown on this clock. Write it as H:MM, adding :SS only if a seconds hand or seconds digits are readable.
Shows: 8:21
